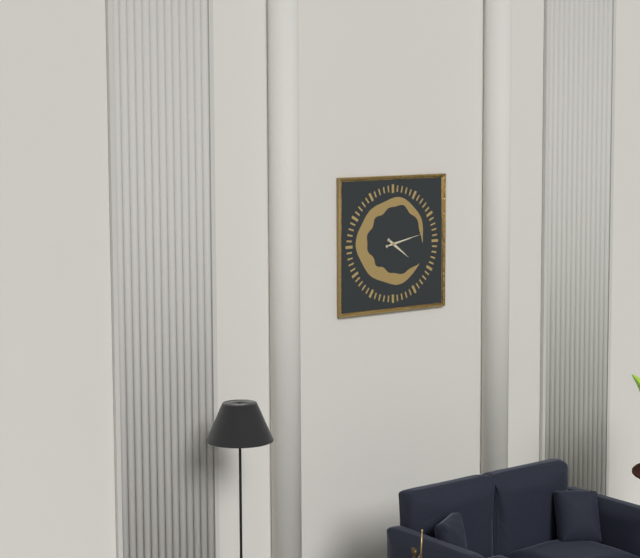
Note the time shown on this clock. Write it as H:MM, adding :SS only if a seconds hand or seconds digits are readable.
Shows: 4:13
